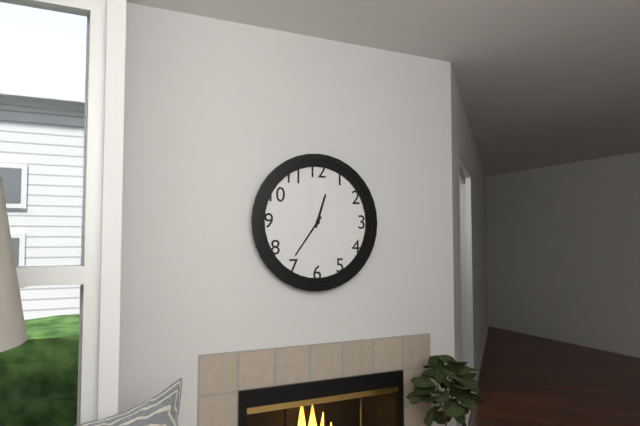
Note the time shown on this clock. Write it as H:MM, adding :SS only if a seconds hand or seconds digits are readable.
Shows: 12:36
